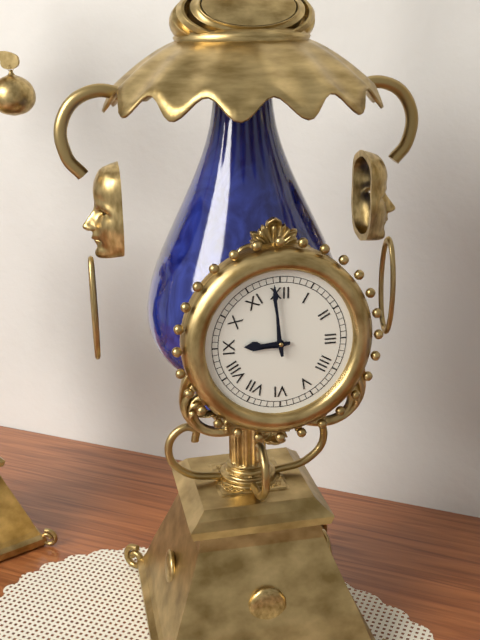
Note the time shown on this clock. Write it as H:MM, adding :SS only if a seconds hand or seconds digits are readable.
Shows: 8:59
